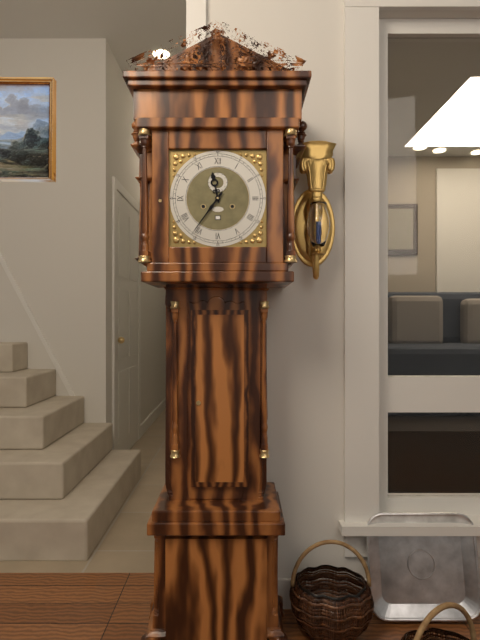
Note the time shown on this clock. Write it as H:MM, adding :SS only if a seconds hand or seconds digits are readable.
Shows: 11:36
